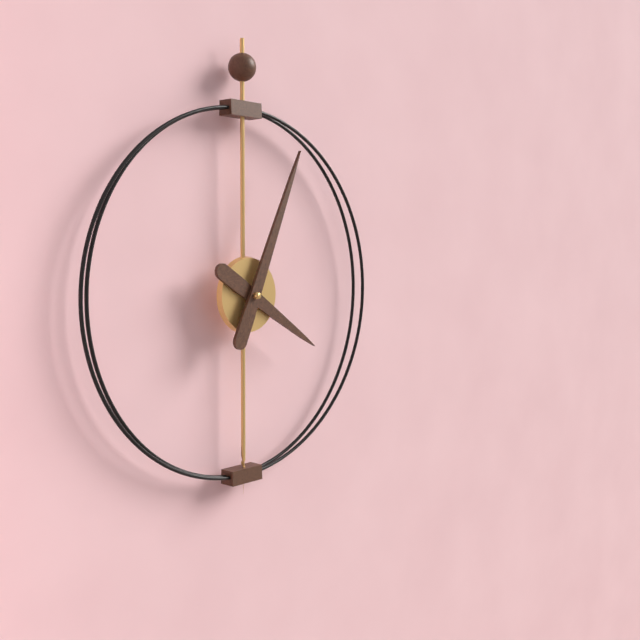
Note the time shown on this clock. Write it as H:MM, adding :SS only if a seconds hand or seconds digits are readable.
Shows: 4:04
